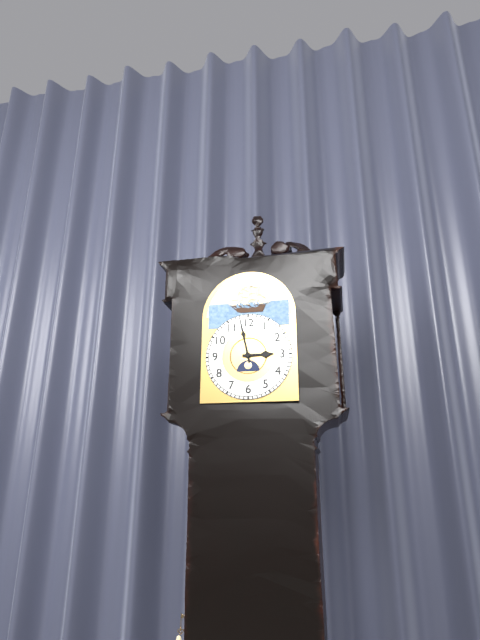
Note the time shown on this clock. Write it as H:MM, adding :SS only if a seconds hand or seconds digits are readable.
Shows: 2:58
